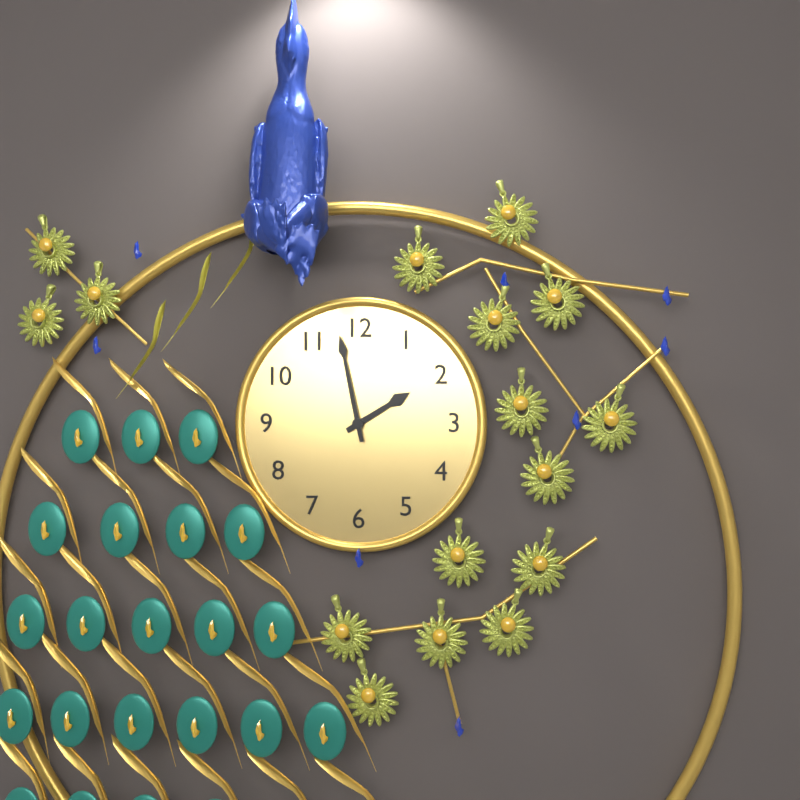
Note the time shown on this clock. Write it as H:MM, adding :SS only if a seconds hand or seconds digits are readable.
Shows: 1:58
